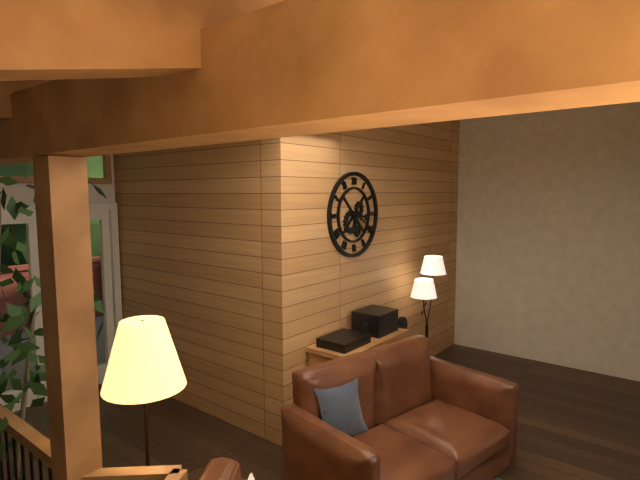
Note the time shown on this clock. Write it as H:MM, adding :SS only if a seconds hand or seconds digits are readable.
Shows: 3:20
